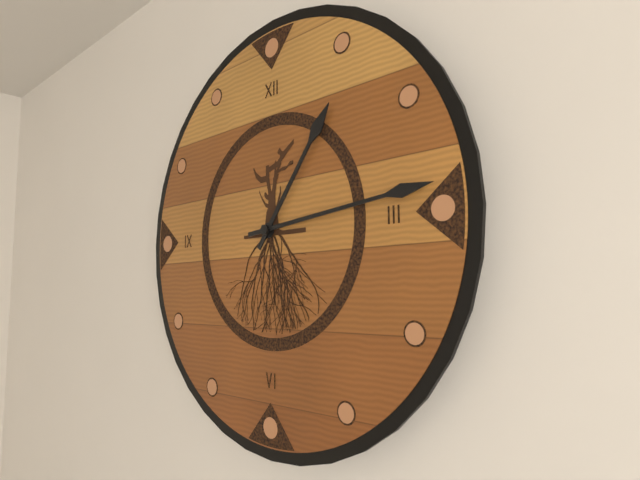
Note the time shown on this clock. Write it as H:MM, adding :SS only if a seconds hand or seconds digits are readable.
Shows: 1:14
